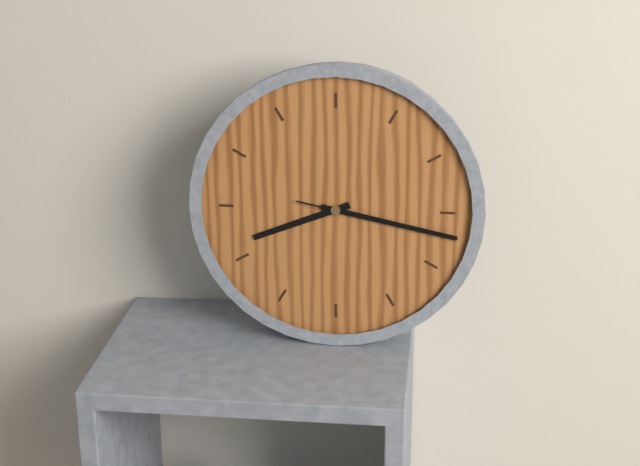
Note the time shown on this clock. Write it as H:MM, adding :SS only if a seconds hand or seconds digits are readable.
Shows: 8:17:17
